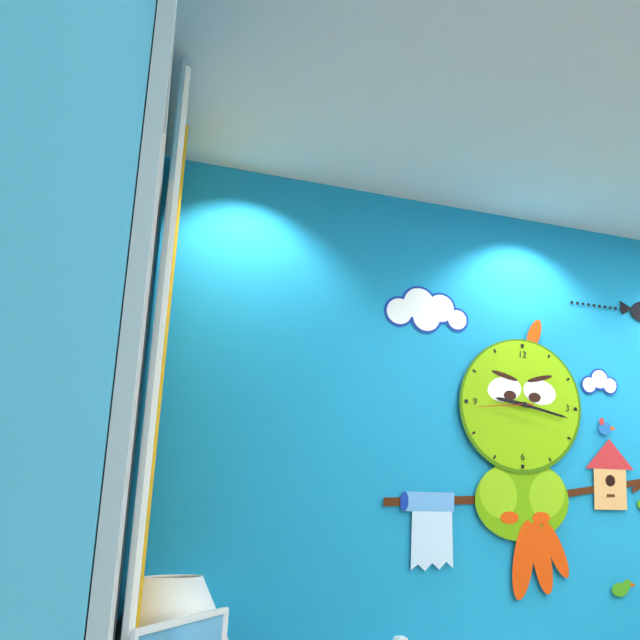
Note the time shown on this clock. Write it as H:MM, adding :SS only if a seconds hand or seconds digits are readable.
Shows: 9:17:44
